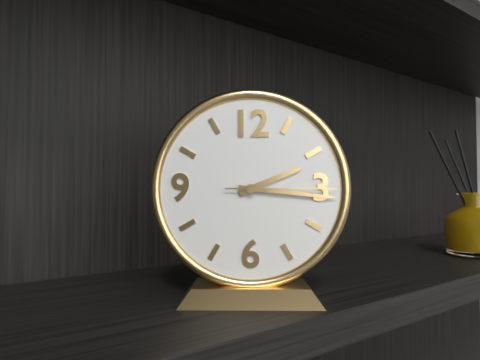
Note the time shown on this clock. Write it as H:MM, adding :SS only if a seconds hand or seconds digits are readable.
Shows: 2:16:15
